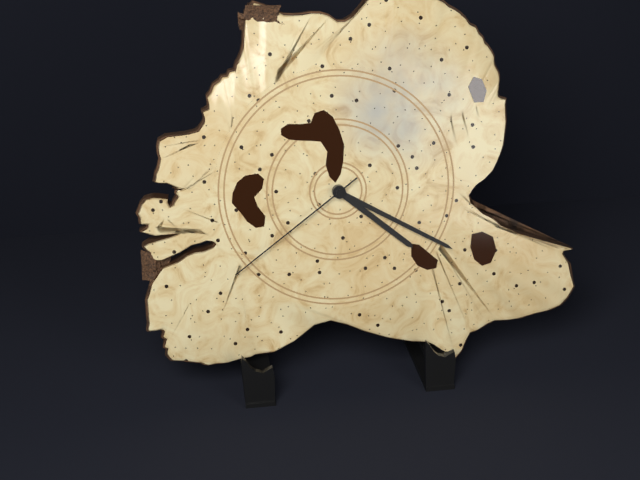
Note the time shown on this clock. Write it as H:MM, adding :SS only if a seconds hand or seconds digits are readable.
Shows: 4:20:39
